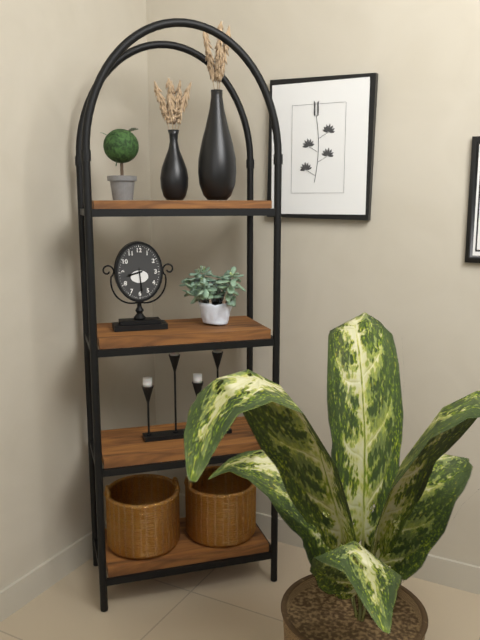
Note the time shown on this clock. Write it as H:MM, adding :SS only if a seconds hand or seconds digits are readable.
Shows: 8:29
